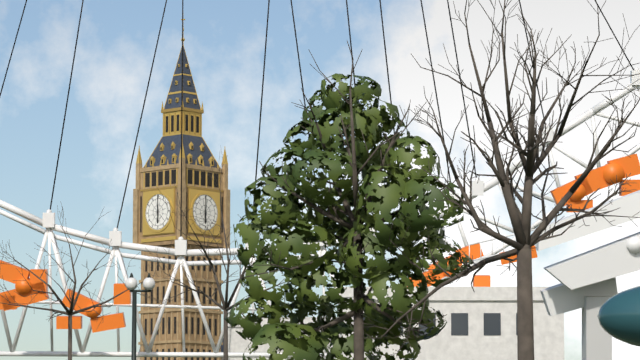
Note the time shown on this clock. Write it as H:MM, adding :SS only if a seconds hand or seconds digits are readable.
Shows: 6:00
